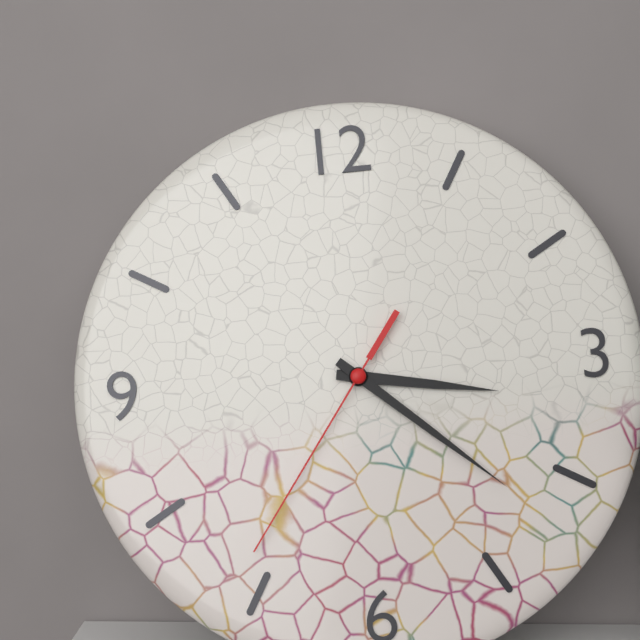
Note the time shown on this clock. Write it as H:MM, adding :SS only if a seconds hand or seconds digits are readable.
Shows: 3:22:36
